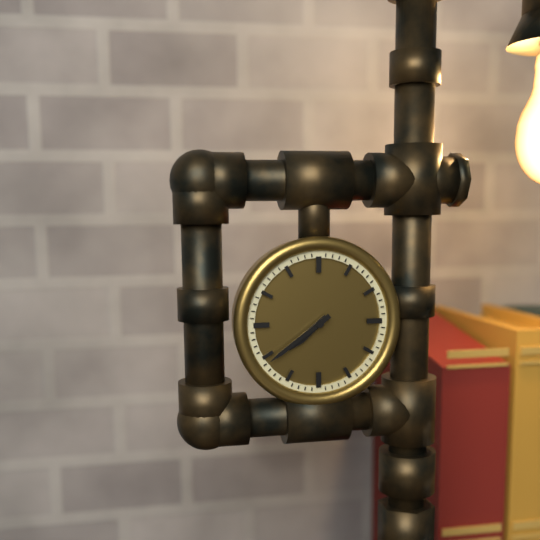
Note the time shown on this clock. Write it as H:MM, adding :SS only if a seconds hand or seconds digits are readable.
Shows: 7:39
